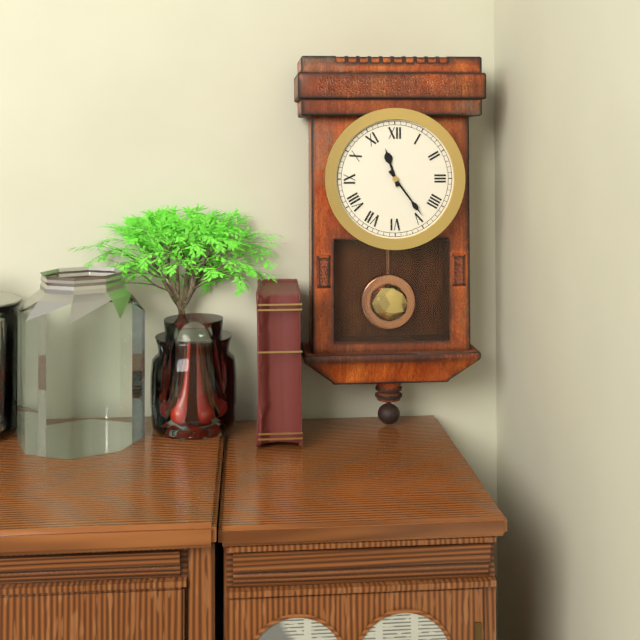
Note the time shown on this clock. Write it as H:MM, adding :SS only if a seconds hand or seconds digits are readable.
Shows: 11:24
